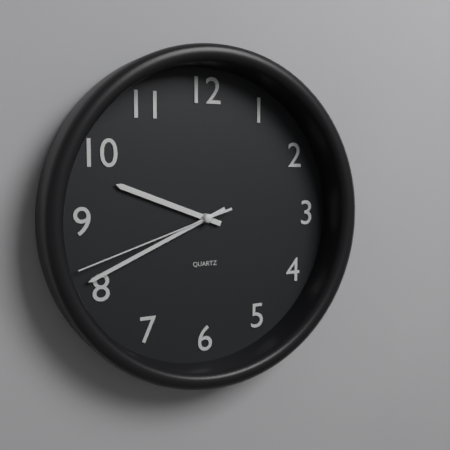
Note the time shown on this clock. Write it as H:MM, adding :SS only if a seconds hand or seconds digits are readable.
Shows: 9:41:42
